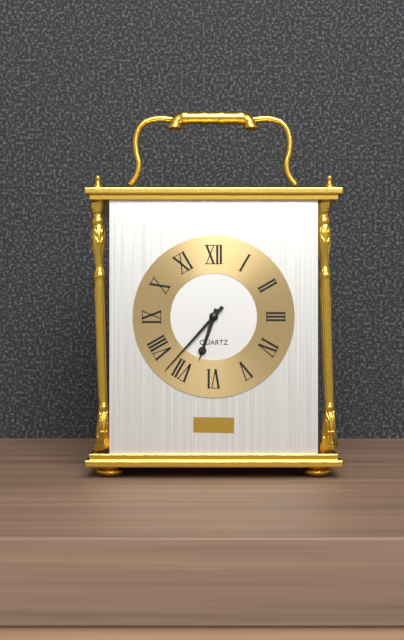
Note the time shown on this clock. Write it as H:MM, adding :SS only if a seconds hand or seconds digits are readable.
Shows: 6:37
